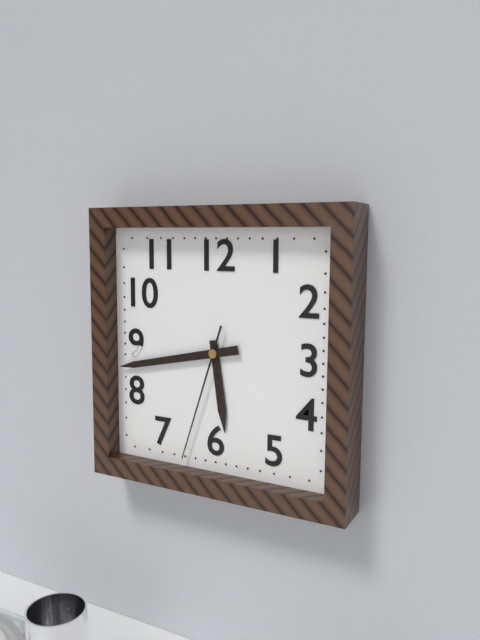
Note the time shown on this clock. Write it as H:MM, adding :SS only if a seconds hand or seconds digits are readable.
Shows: 5:43:33
